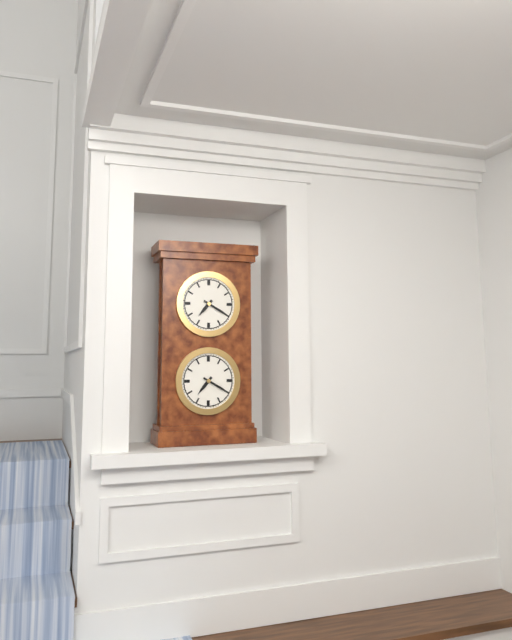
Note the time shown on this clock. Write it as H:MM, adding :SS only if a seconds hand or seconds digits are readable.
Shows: 7:20
